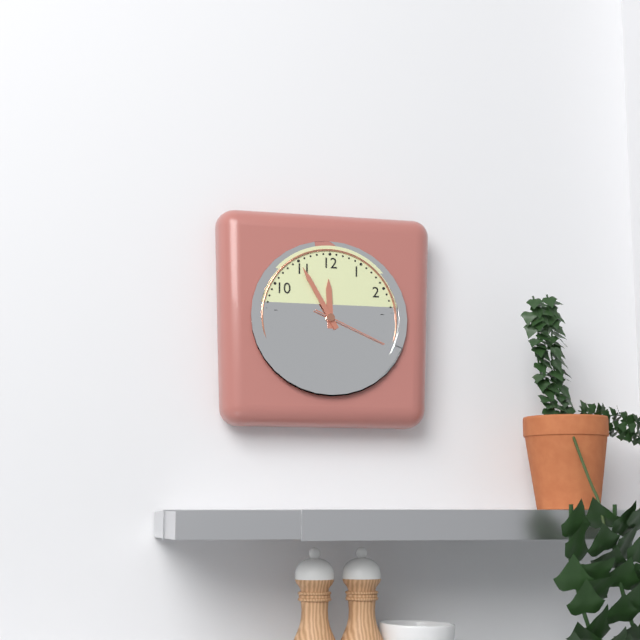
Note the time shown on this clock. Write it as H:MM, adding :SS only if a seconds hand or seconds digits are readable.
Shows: 11:55:19
